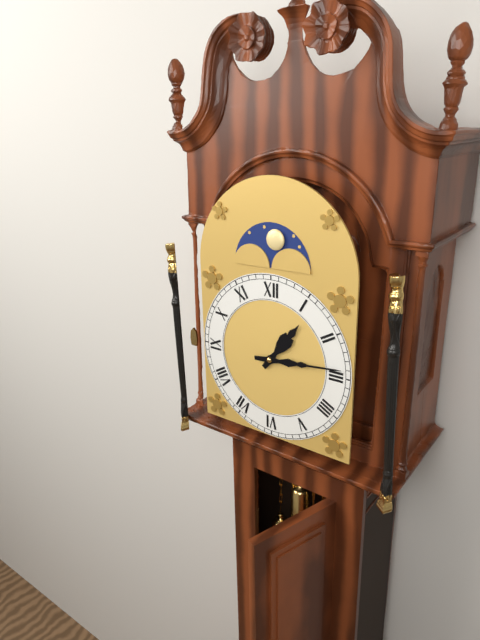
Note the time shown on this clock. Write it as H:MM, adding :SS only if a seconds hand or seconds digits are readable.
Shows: 1:14
